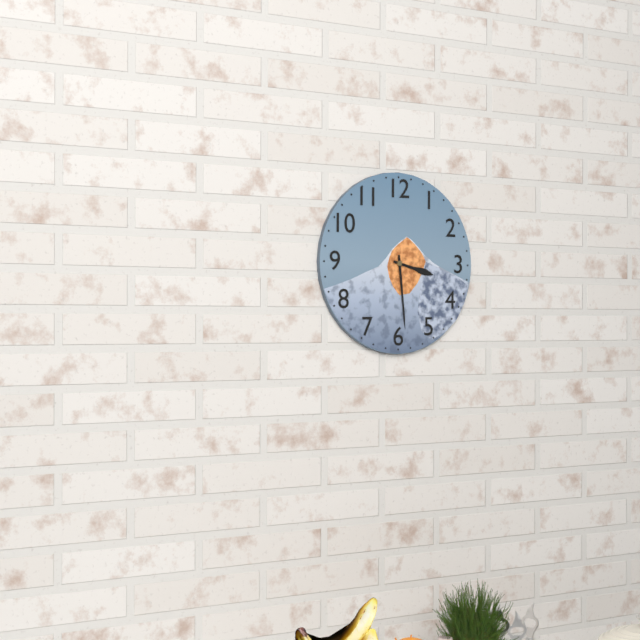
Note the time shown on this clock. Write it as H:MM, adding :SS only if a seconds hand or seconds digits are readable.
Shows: 3:29
